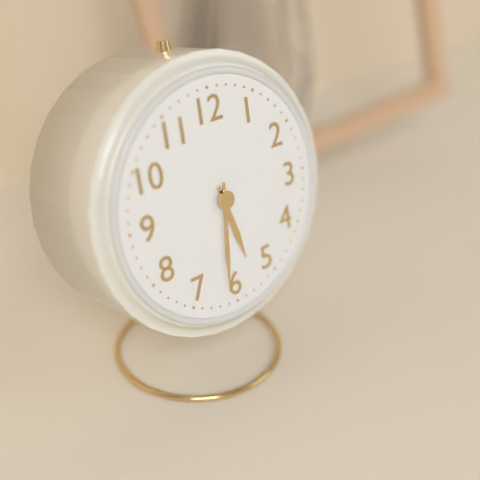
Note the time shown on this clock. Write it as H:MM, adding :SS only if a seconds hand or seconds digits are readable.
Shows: 5:31
